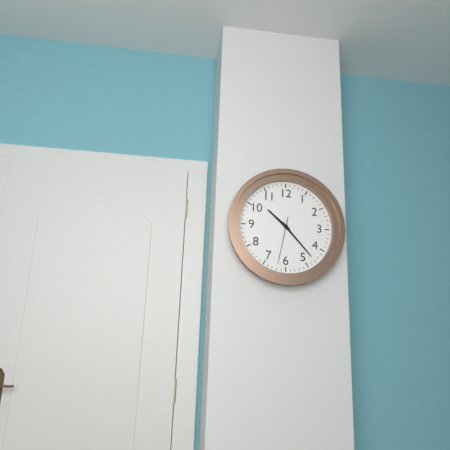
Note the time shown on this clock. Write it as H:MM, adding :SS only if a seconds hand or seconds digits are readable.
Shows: 10:23
